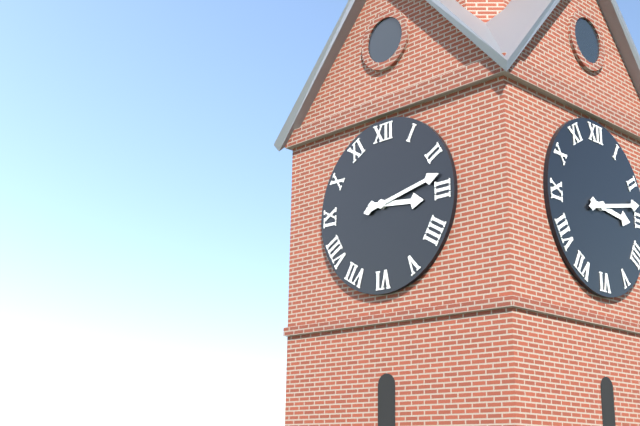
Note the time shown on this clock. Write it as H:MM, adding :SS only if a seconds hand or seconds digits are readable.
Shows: 3:13
